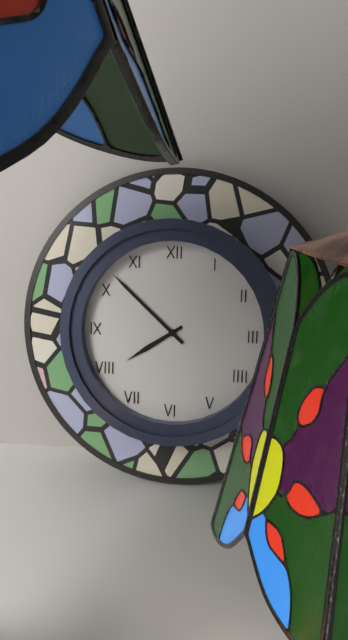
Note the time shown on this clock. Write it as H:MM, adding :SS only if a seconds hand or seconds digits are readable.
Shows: 7:52
